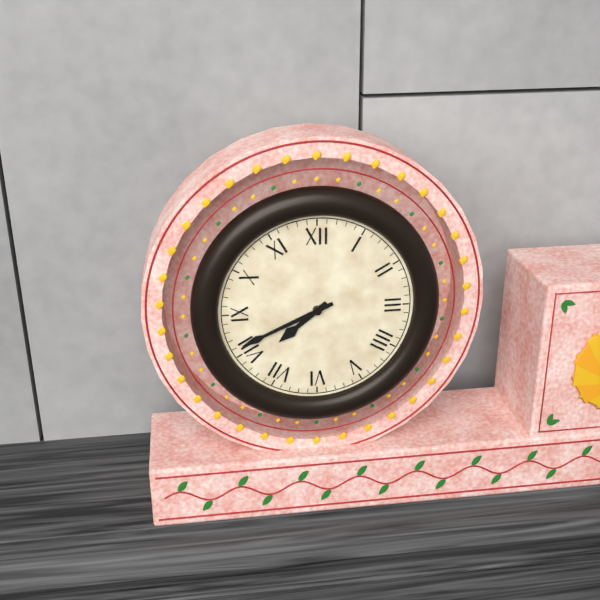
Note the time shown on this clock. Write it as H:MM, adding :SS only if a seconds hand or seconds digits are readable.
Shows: 7:41
